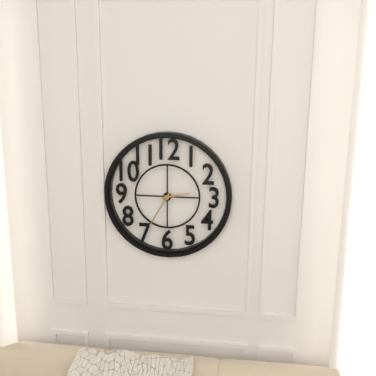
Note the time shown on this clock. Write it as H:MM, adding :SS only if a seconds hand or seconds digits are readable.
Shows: 2:35
